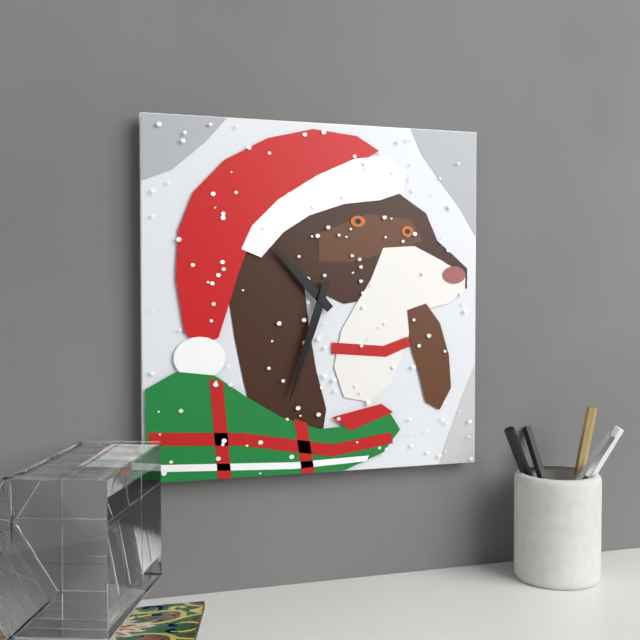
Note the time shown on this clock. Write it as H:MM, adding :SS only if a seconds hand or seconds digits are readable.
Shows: 10:33
